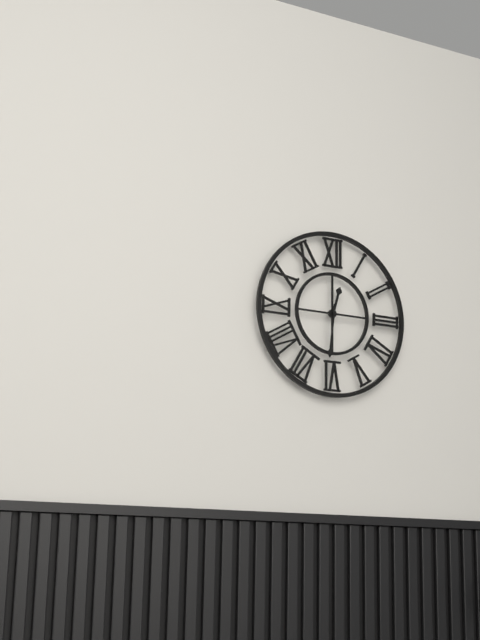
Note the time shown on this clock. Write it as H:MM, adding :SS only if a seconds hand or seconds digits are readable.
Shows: 12:31
